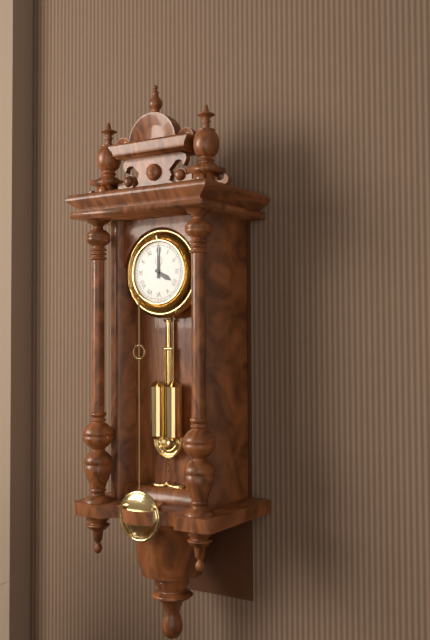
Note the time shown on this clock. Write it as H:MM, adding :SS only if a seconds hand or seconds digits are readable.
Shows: 4:00
